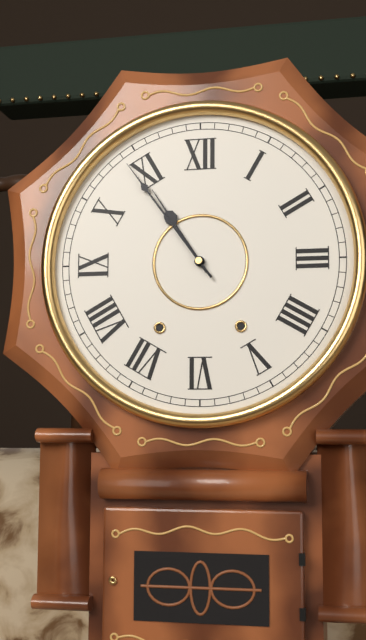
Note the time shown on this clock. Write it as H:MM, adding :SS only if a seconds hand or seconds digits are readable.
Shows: 10:54
